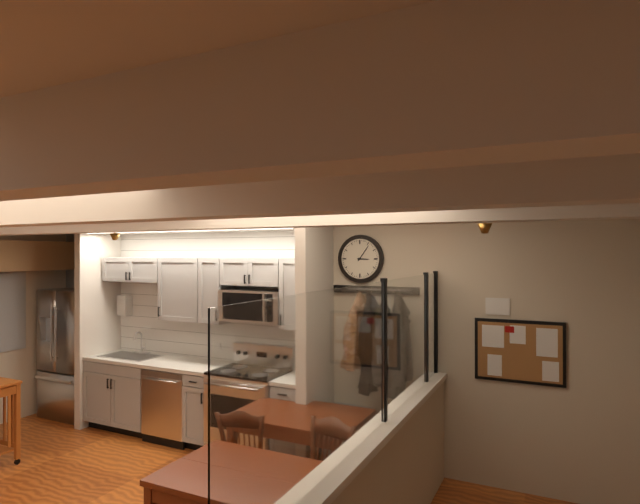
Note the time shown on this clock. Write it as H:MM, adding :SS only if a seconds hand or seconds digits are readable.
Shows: 3:06
